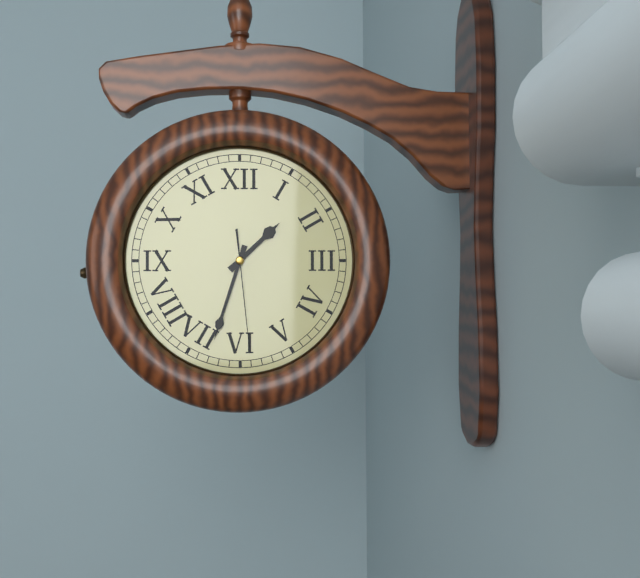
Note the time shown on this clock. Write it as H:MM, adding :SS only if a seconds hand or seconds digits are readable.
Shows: 1:33:29
